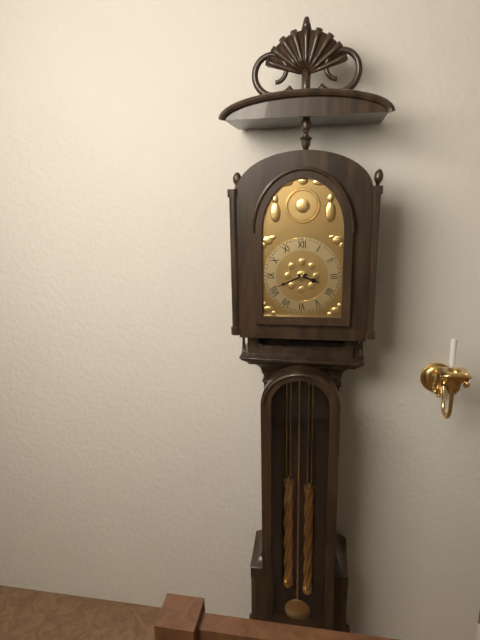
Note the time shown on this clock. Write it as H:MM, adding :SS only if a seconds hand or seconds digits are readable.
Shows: 3:41
